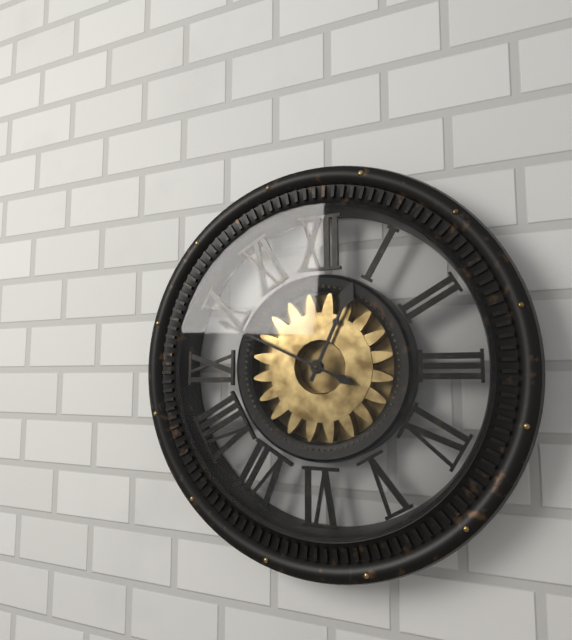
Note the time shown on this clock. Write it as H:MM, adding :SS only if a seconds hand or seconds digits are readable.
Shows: 12:49
